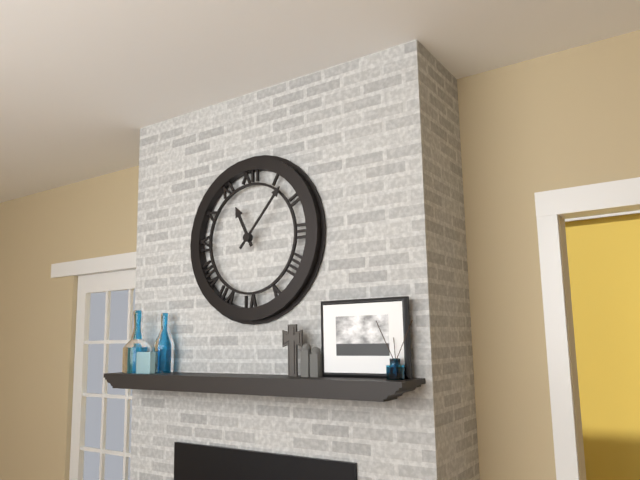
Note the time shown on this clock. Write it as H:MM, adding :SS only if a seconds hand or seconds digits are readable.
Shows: 11:07
